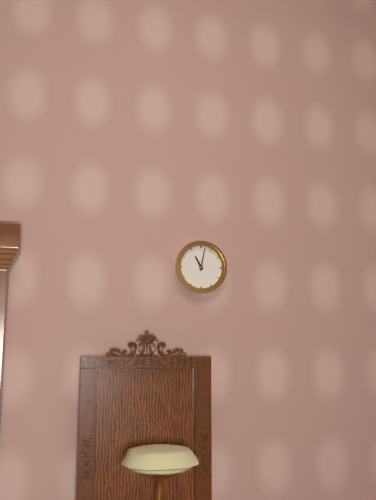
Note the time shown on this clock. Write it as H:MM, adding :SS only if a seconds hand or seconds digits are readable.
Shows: 11:02
